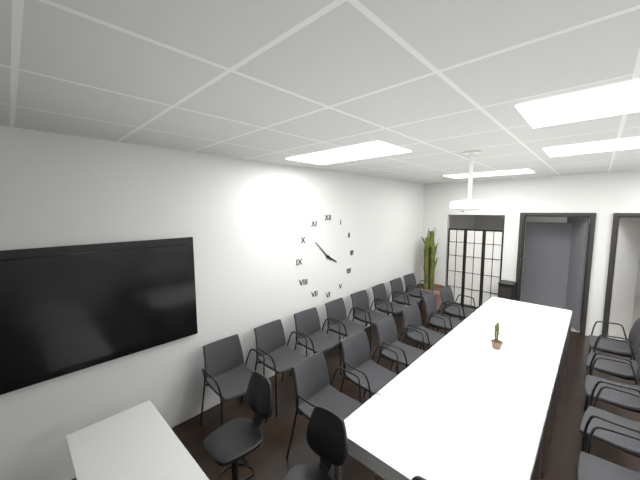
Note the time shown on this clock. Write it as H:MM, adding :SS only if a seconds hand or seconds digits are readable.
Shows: 3:52
